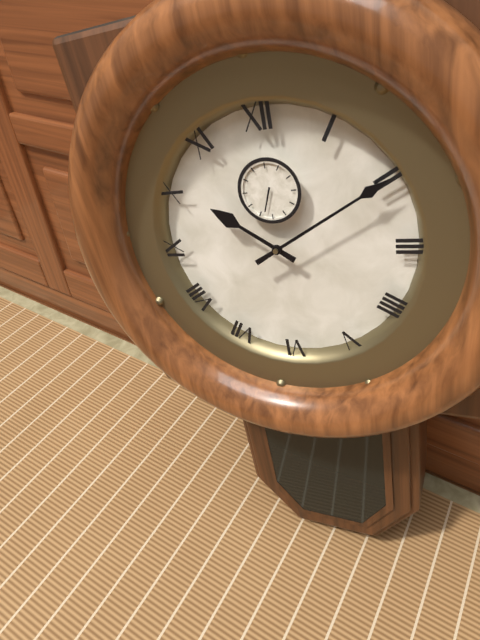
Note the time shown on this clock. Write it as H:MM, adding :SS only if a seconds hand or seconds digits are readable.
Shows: 10:10
